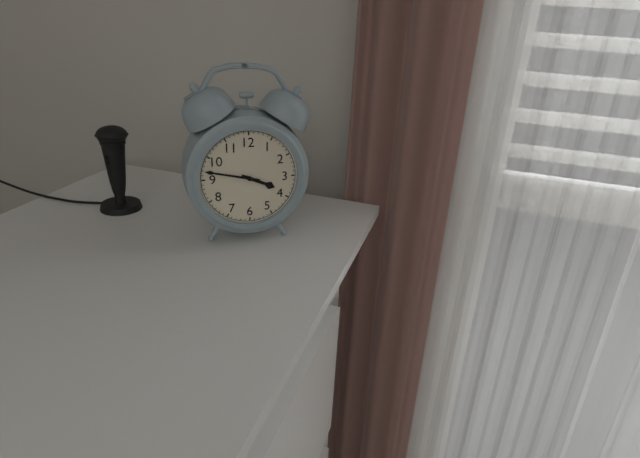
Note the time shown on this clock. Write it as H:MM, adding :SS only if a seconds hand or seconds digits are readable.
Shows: 3:47
